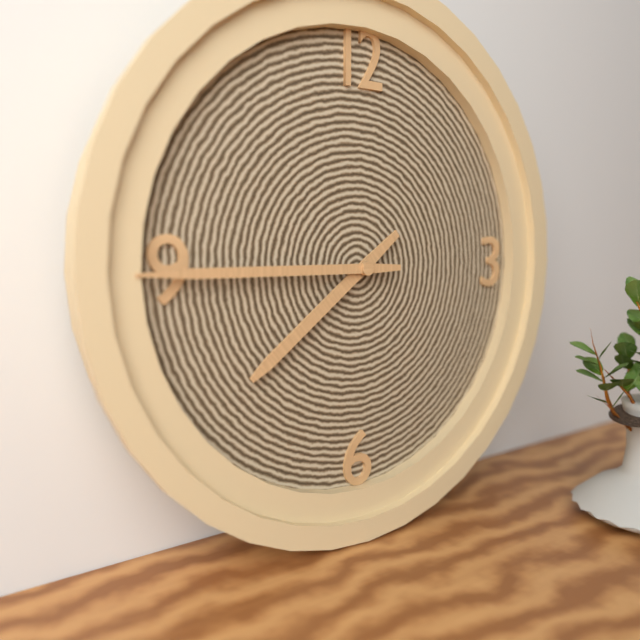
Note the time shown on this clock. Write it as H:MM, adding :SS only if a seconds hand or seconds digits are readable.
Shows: 7:45
